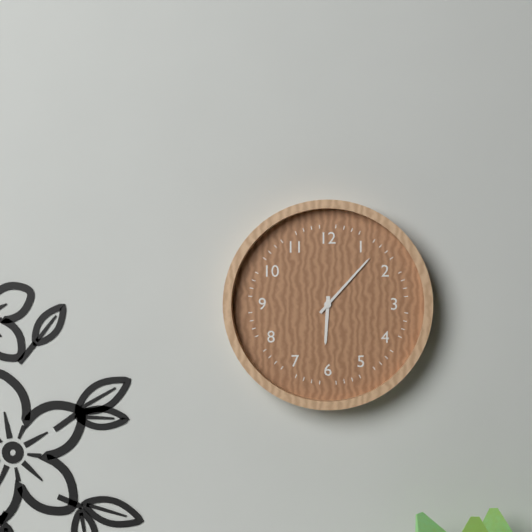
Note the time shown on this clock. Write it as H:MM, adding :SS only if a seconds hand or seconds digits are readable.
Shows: 6:07
